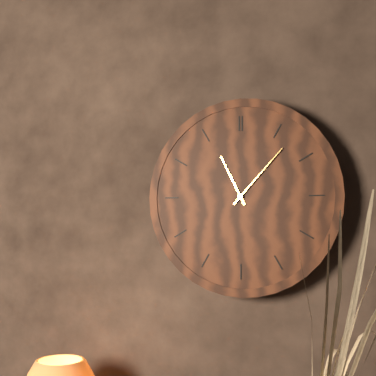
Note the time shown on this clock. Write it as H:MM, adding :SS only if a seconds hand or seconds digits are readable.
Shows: 11:07
